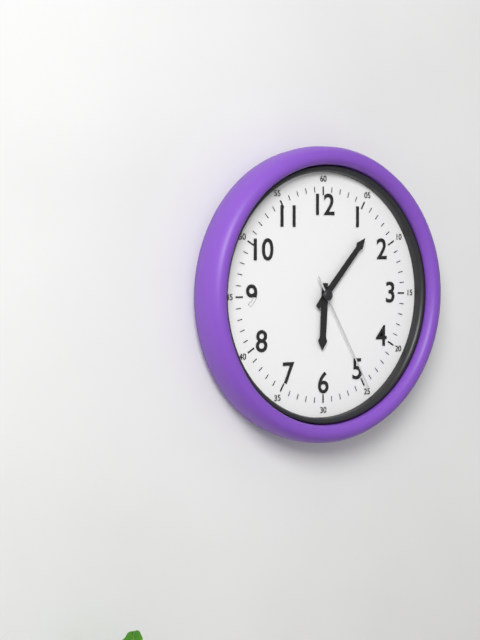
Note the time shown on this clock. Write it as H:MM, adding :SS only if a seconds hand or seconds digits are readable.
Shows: 6:07:25
